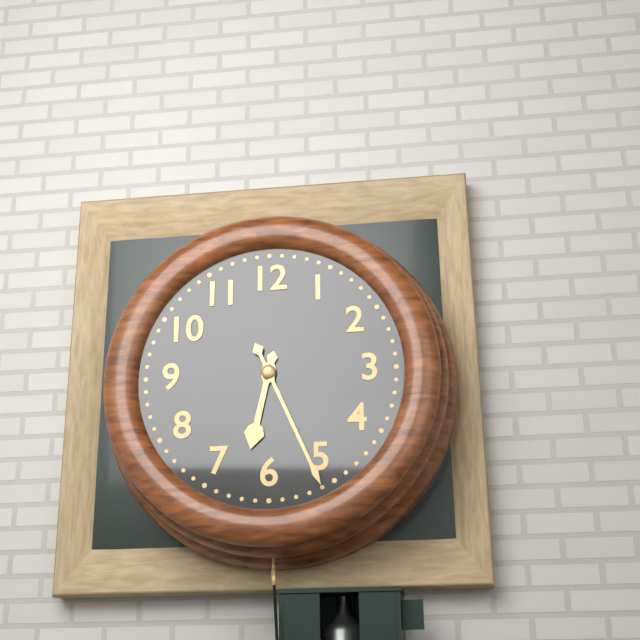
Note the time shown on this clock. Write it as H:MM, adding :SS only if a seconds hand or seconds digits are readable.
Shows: 6:26
